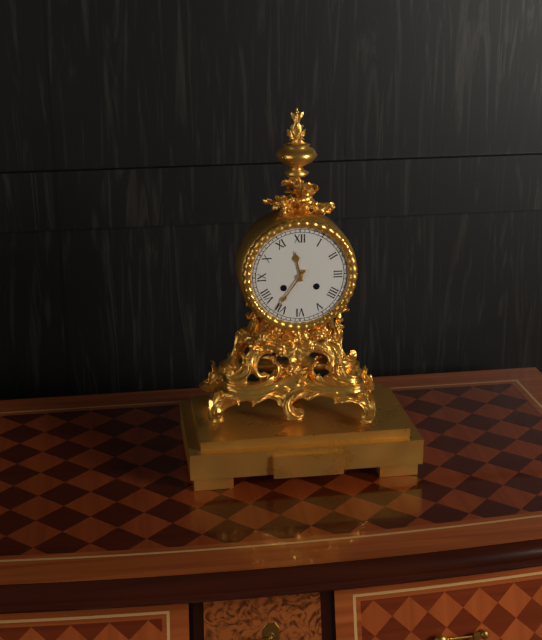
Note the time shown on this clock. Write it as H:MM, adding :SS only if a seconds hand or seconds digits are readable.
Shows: 11:36
